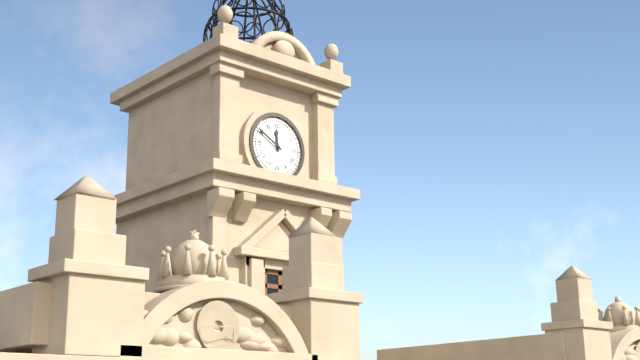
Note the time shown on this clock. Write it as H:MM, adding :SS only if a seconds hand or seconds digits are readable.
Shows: 11:50
